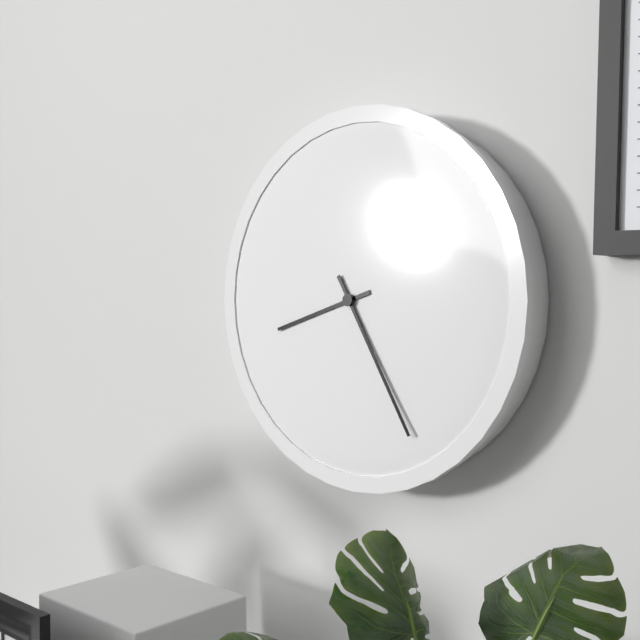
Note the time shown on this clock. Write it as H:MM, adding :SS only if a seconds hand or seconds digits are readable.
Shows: 8:25
